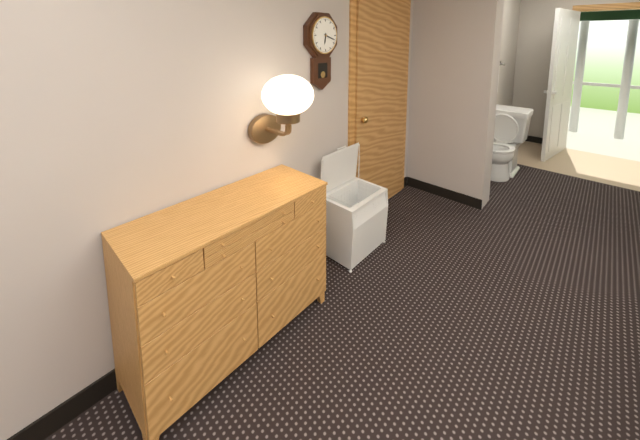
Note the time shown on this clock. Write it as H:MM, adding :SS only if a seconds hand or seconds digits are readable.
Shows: 6:18
